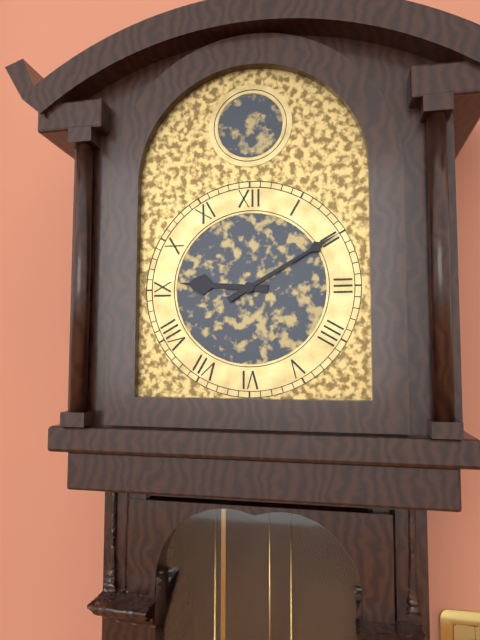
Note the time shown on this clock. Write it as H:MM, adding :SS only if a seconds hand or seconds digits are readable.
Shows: 9:10
